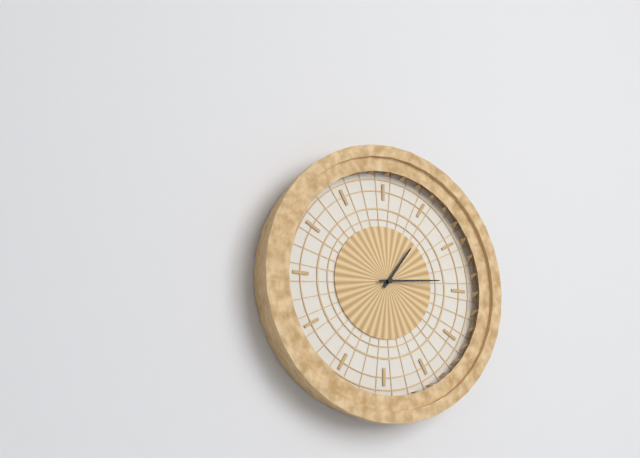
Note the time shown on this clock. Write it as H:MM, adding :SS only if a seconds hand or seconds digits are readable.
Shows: 1:14
